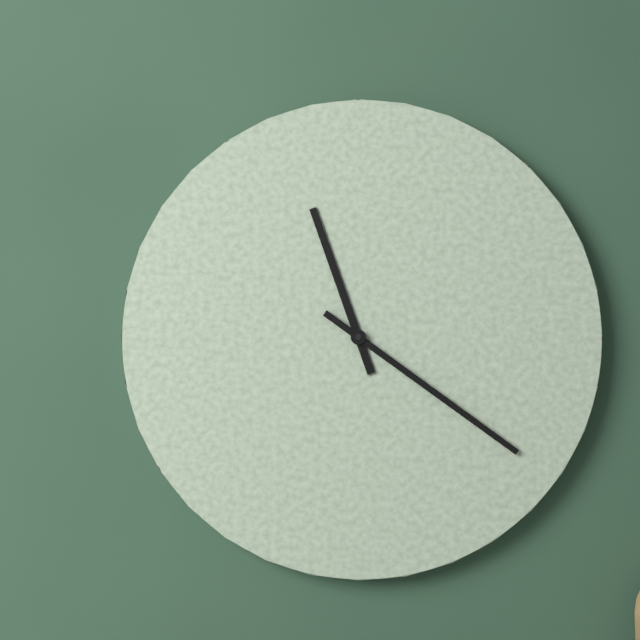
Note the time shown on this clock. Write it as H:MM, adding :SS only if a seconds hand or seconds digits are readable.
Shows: 11:21
